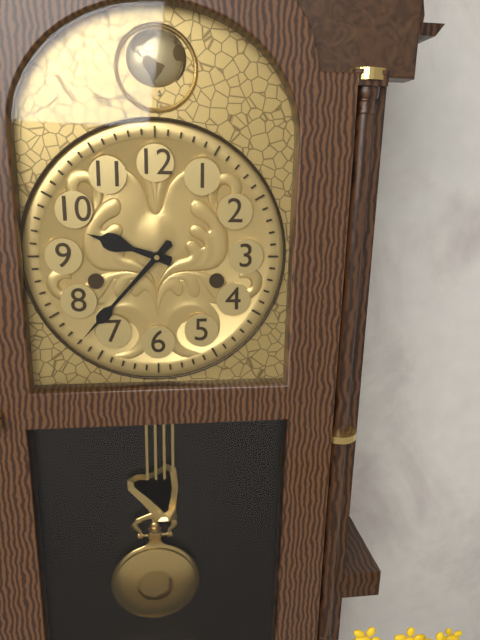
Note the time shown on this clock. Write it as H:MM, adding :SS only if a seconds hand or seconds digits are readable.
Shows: 9:37
